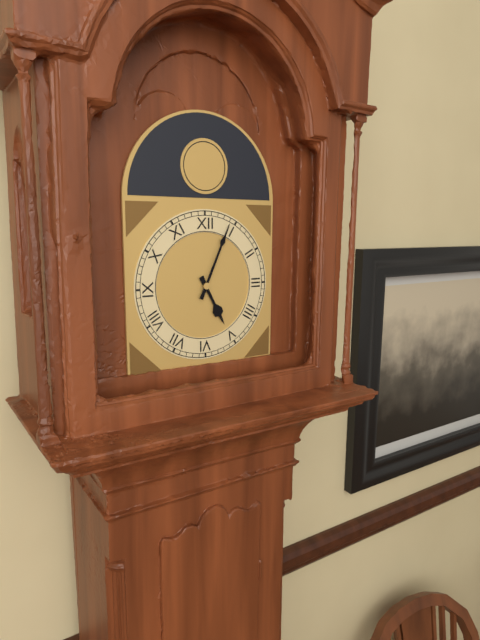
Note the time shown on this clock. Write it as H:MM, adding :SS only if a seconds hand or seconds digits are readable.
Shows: 5:04
